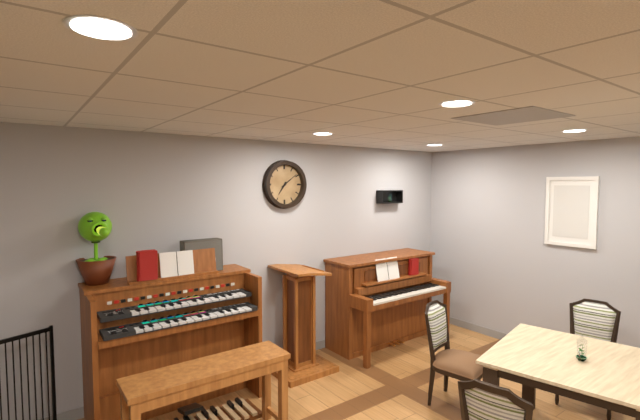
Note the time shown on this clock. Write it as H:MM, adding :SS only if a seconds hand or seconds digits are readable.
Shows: 7:09
